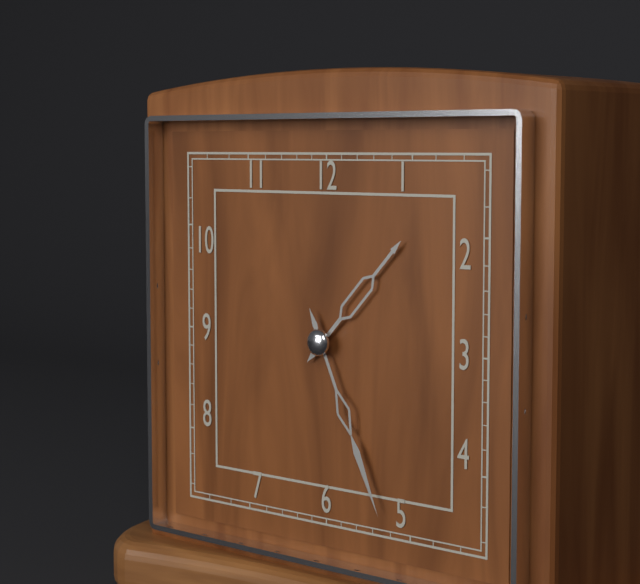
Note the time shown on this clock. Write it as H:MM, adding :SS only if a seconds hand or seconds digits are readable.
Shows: 1:26
